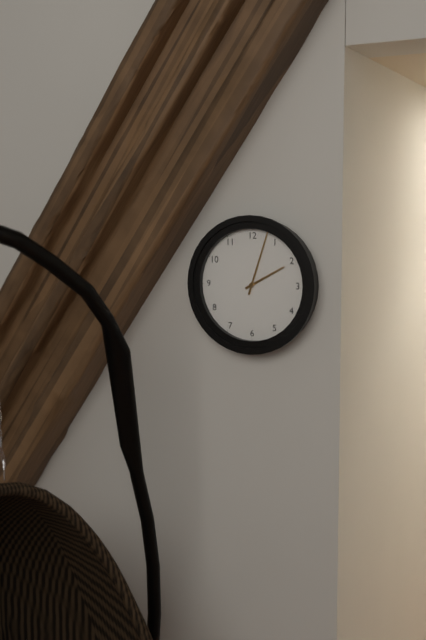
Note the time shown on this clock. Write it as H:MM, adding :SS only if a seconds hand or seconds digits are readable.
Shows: 2:03
